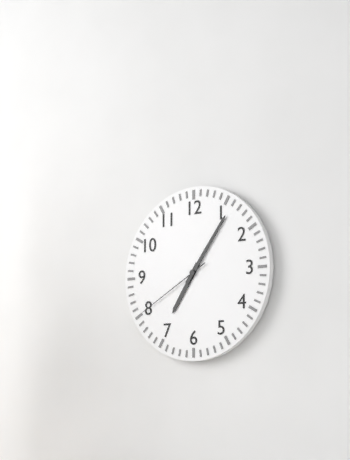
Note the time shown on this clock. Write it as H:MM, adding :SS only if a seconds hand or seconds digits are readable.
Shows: 7:06:40
